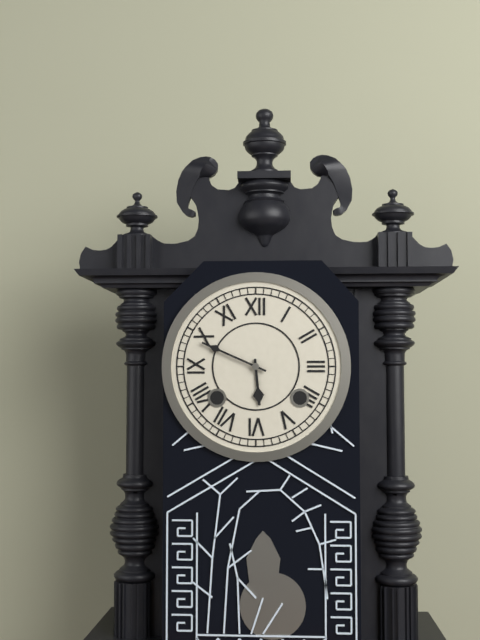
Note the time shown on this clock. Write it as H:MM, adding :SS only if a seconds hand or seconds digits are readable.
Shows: 5:49
